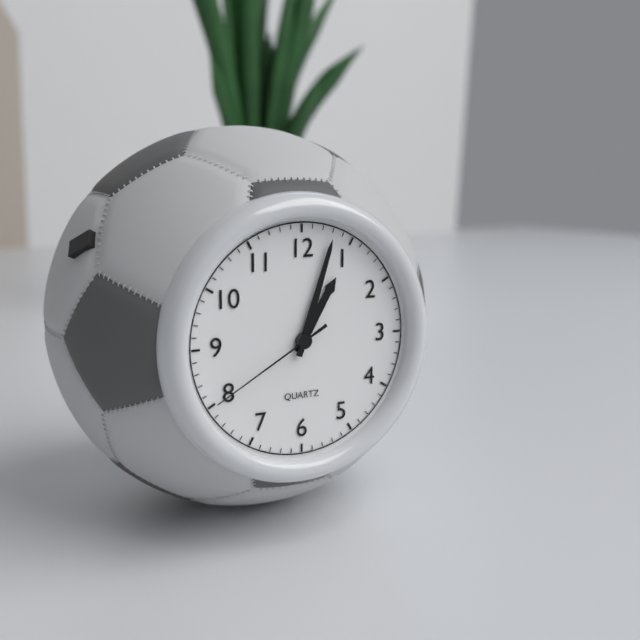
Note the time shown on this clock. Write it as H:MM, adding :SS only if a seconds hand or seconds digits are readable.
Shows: 1:03:40
